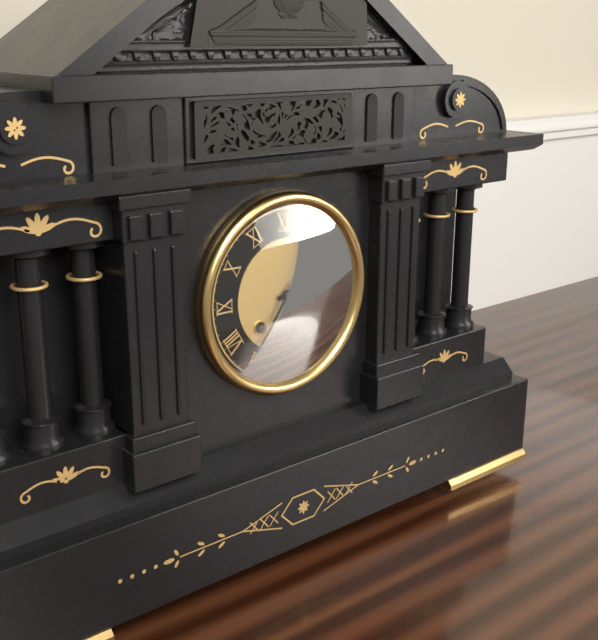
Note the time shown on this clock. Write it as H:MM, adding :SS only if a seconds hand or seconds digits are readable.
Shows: 2:36
